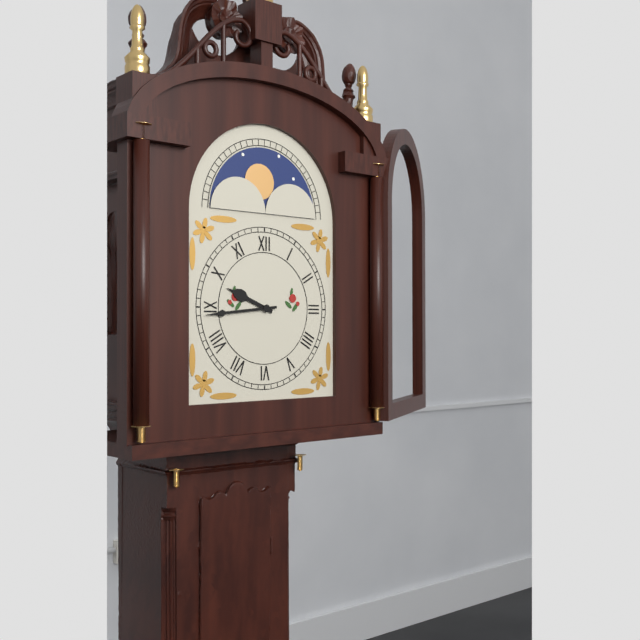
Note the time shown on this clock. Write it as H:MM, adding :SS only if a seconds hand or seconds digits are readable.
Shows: 9:44
